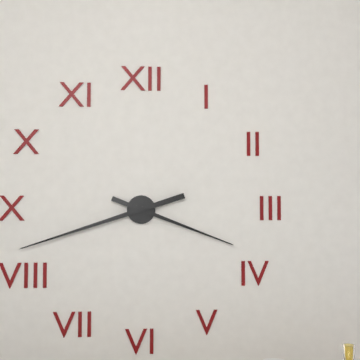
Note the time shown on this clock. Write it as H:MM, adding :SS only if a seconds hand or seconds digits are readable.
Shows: 3:42
